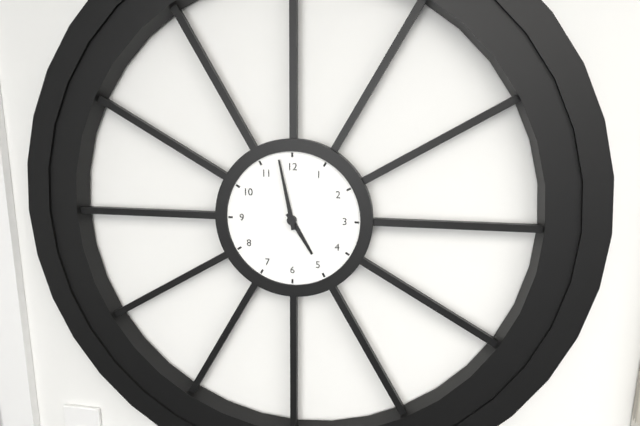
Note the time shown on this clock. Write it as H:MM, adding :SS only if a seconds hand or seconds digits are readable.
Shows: 4:58
